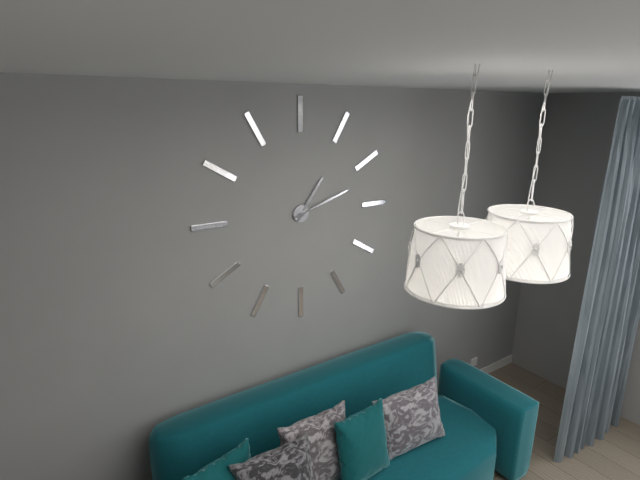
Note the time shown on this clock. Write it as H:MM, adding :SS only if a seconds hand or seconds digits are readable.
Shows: 1:12
